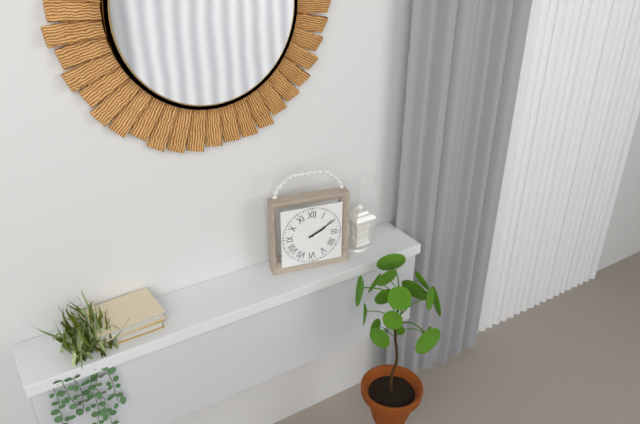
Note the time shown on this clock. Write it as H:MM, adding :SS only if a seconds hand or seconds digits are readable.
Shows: 2:10
